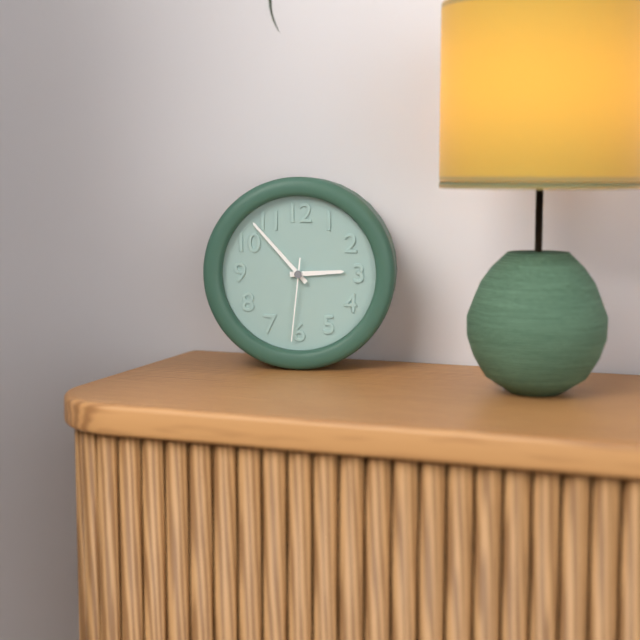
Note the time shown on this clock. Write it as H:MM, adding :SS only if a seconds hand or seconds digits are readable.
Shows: 2:53:31
